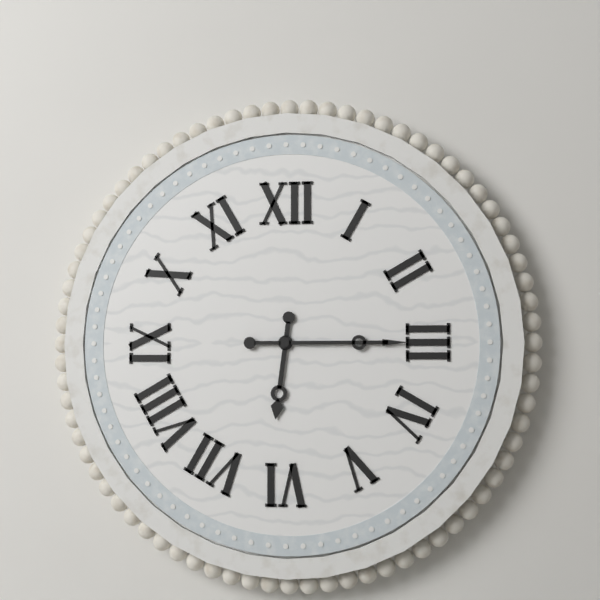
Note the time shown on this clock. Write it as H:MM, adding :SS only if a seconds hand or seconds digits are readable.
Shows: 6:15
